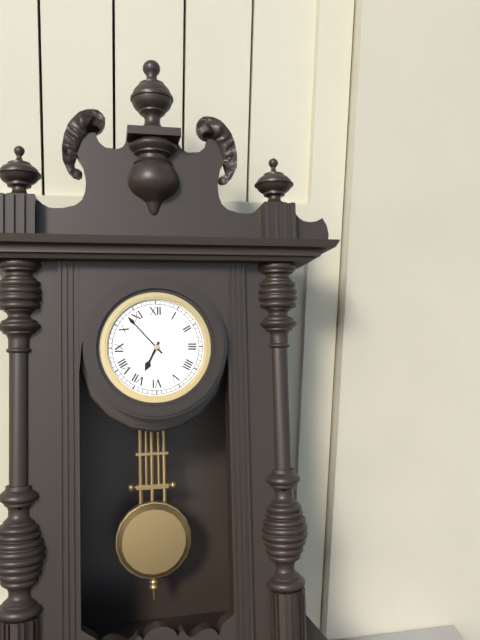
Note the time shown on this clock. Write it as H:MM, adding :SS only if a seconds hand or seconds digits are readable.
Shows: 6:53
